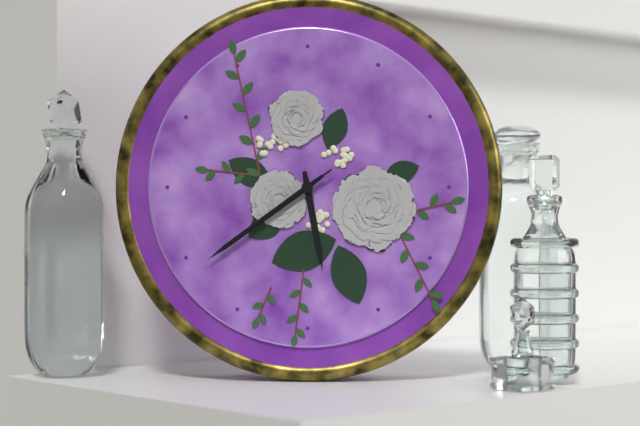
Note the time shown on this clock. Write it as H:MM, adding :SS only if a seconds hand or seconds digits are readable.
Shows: 5:39:39
